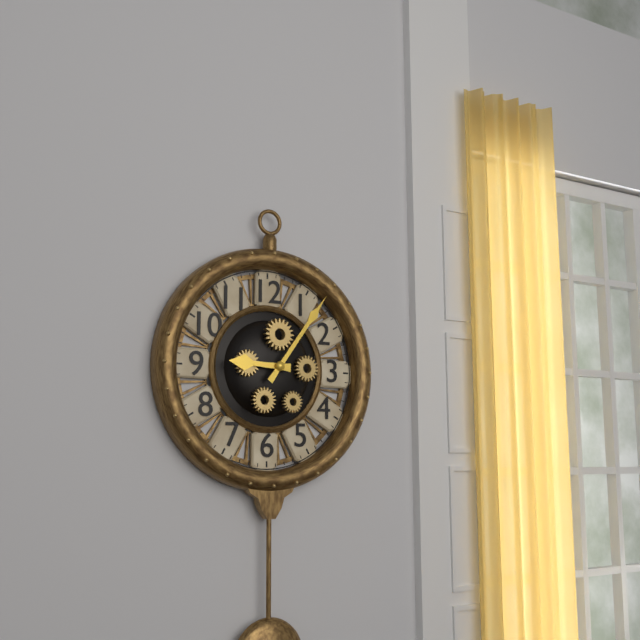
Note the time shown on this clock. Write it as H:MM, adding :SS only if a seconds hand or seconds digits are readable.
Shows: 9:06
